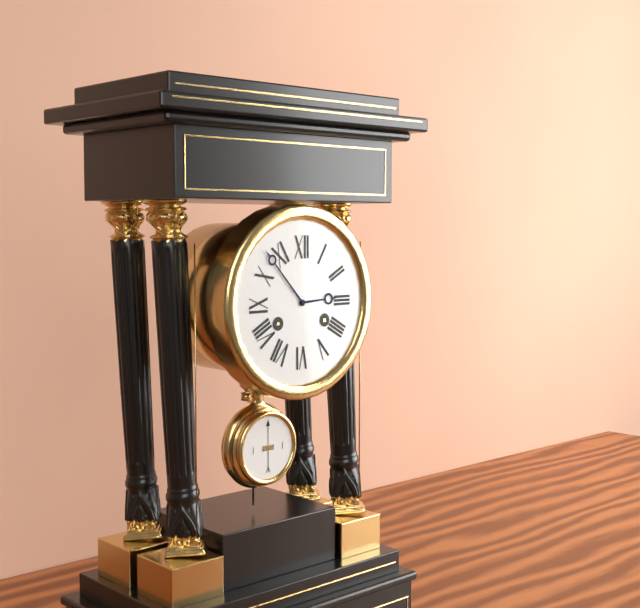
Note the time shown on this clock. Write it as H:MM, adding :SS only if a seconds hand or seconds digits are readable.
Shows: 2:53
